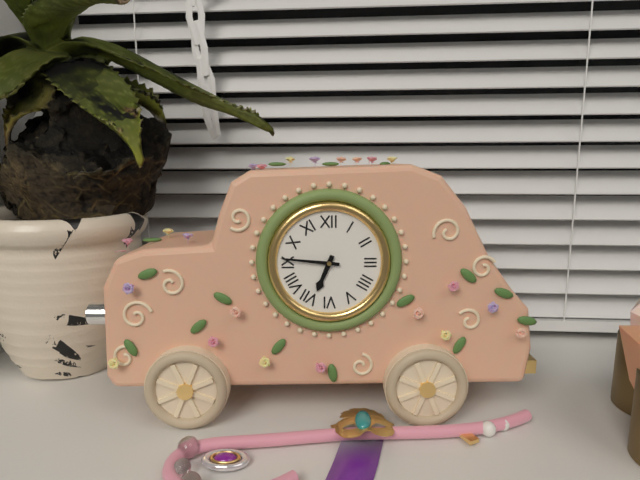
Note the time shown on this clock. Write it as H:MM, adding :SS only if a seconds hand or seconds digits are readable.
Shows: 6:46
